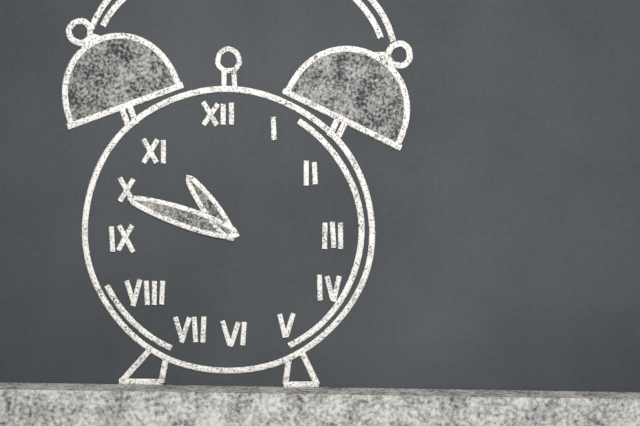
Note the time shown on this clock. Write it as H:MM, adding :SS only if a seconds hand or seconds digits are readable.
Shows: 10:48
